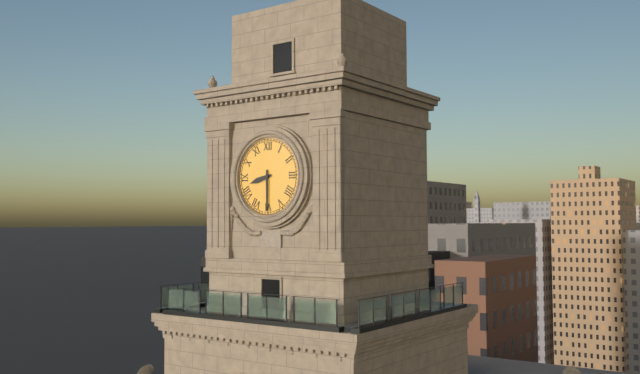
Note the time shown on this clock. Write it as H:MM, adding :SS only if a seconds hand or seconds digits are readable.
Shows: 8:30
